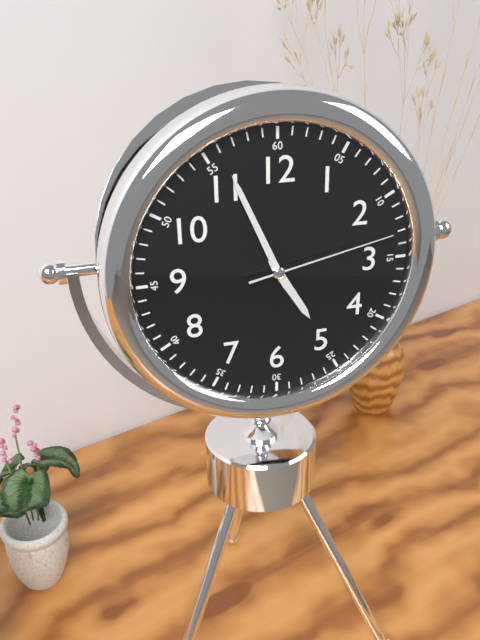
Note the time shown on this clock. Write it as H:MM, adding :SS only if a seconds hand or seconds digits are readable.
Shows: 4:56:13
